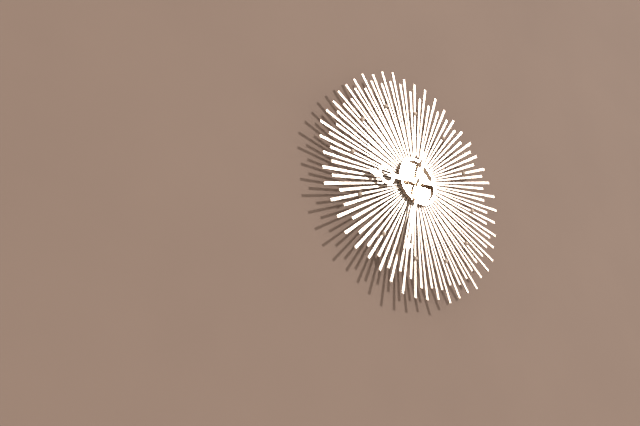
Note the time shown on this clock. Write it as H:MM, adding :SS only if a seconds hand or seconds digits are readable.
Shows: 8:32
